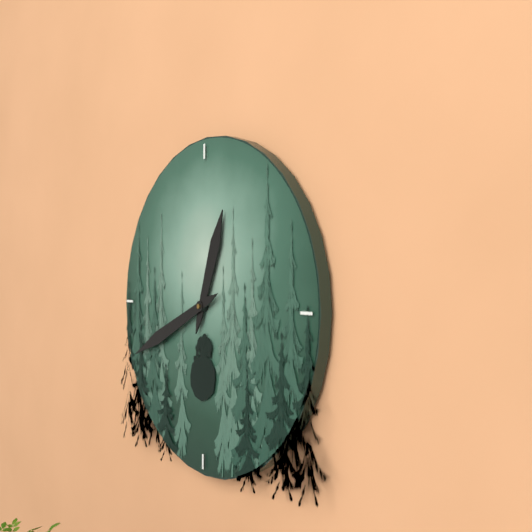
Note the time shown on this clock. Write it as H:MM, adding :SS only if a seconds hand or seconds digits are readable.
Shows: 12:41
